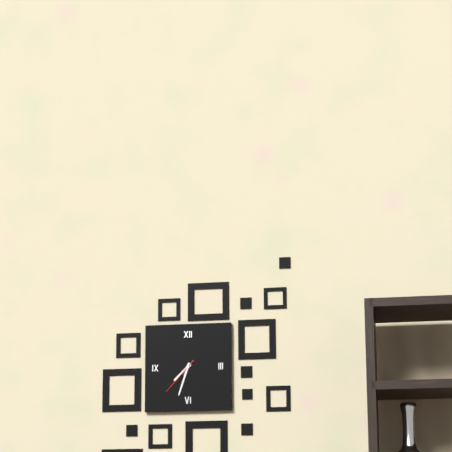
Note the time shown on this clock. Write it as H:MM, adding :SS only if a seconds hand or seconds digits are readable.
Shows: 7:33
